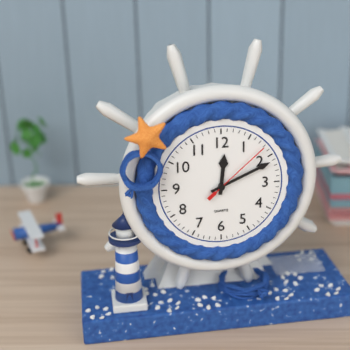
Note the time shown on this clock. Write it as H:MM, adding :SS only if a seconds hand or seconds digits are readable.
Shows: 12:11:08
